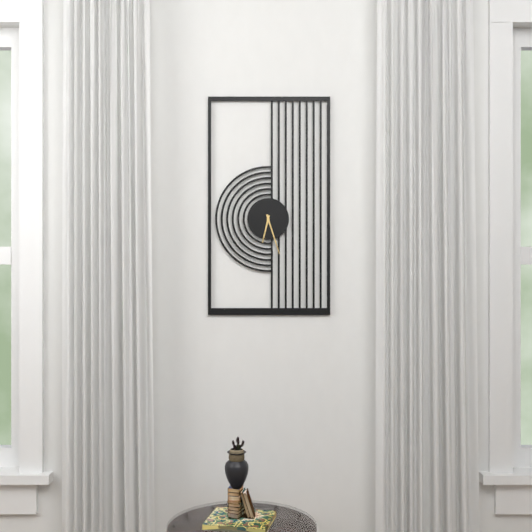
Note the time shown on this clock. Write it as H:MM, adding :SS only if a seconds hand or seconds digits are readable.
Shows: 6:27
